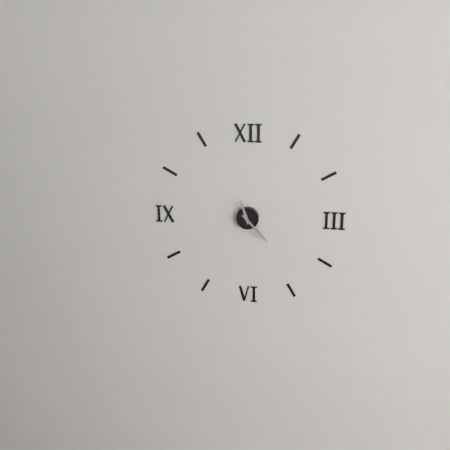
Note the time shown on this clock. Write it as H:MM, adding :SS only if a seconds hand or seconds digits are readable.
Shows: 11:23
